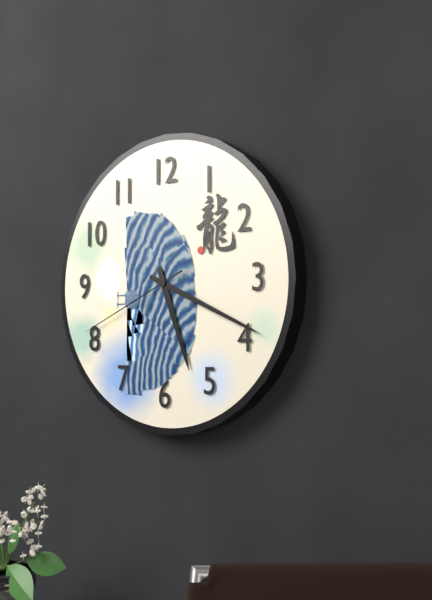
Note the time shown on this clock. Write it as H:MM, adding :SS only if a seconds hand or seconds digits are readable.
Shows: 5:19:41
